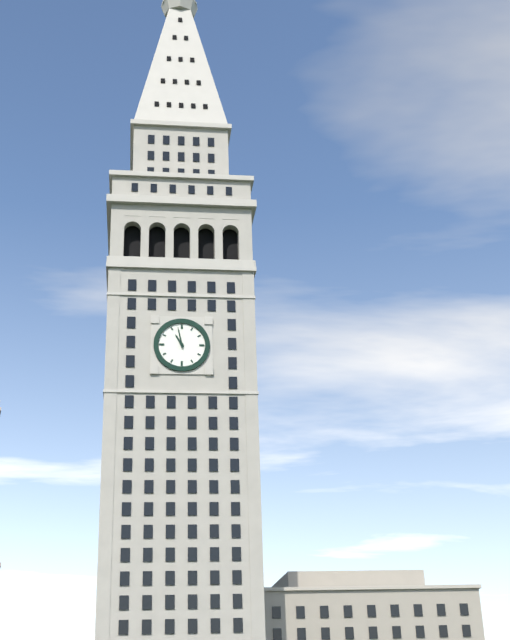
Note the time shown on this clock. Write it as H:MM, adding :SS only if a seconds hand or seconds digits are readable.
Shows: 10:58
